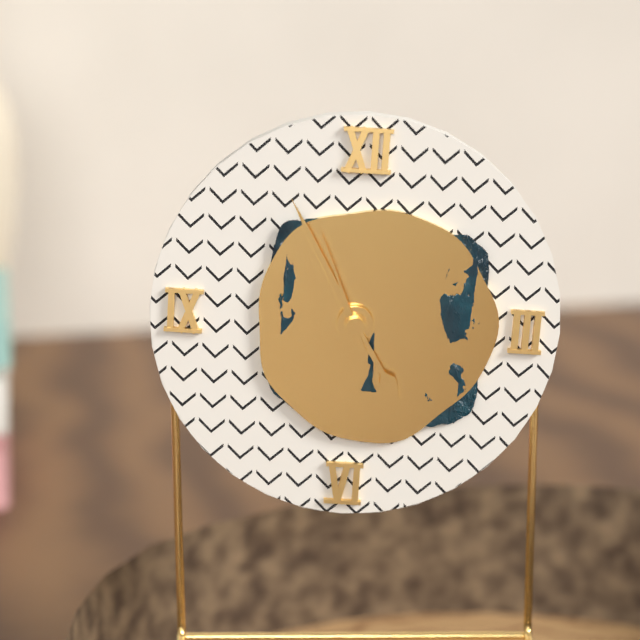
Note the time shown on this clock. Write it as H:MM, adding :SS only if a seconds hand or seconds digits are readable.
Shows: 4:55:56
